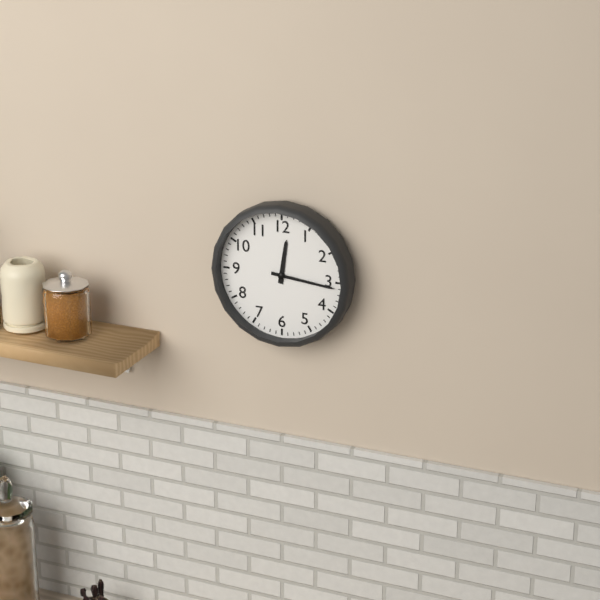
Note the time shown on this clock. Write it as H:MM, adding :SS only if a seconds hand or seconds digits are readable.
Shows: 12:16
